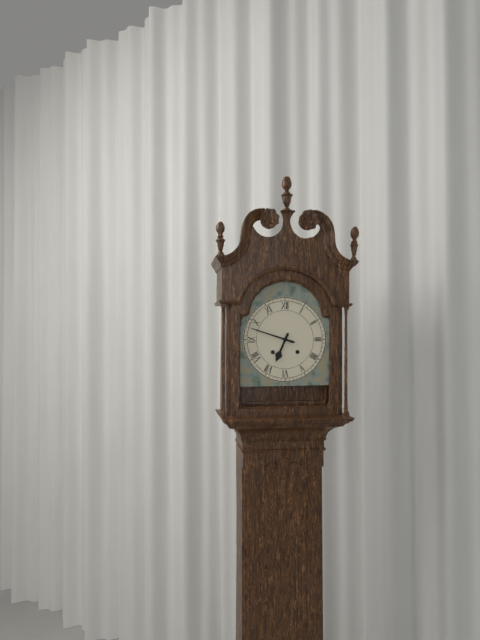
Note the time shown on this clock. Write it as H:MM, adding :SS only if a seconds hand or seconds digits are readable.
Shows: 6:48
